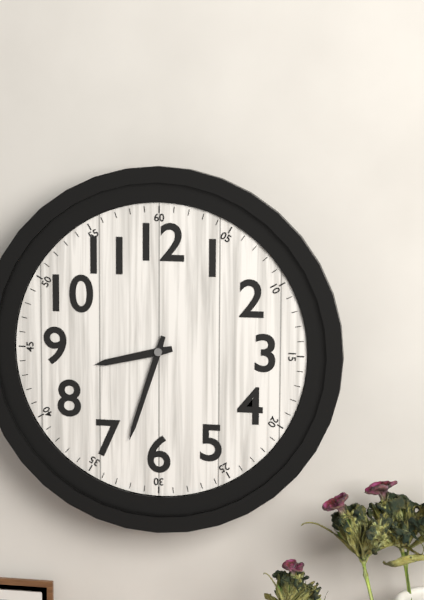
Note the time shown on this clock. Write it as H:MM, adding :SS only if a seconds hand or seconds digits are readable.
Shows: 8:33
